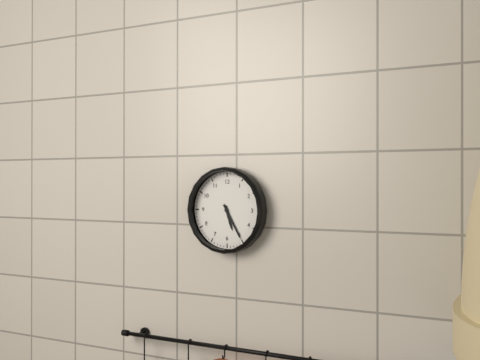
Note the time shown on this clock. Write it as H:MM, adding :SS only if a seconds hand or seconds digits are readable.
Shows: 5:25
